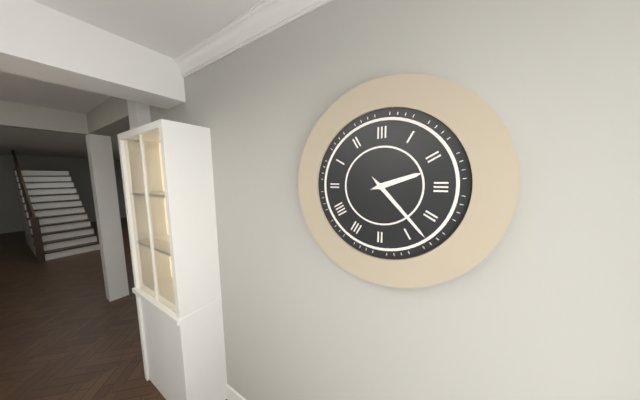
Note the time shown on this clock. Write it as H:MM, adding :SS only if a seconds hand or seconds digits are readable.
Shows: 2:23
